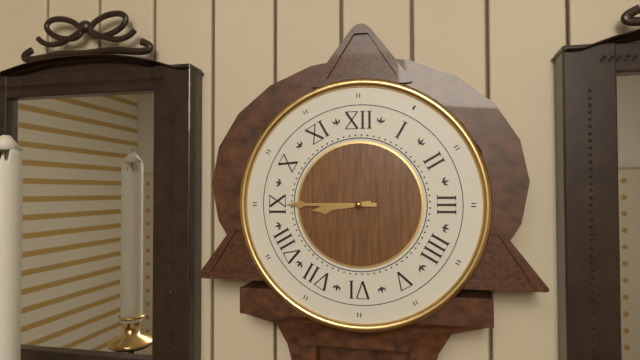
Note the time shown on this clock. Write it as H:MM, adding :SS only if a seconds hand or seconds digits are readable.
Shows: 8:45
